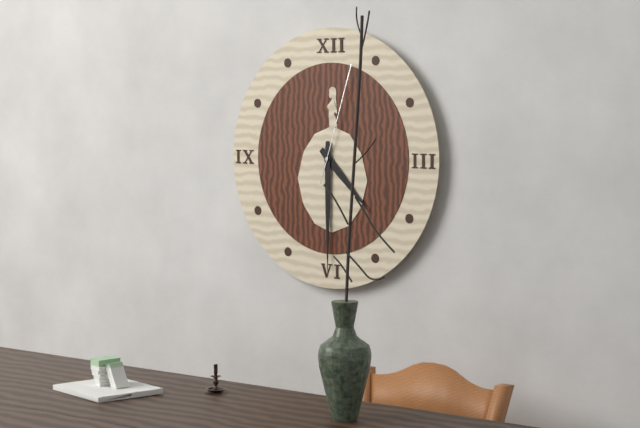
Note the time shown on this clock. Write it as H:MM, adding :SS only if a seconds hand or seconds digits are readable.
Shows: 4:30:03
